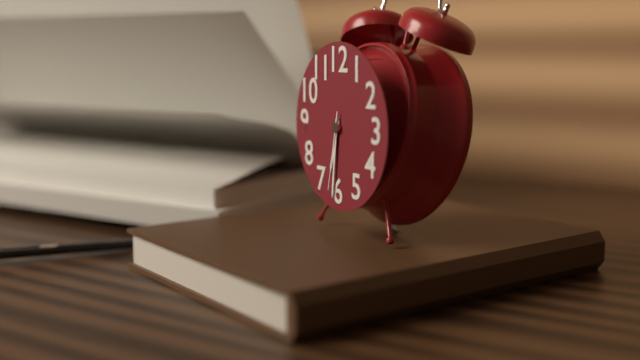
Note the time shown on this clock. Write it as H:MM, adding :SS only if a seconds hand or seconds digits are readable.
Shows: 6:31:32
